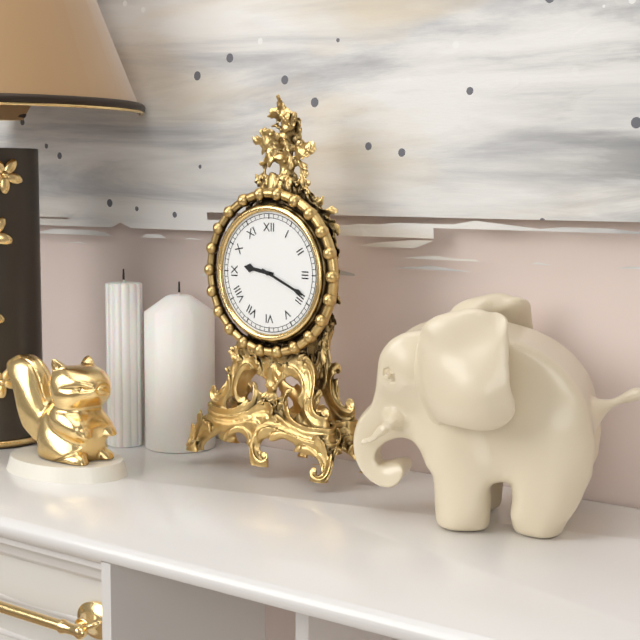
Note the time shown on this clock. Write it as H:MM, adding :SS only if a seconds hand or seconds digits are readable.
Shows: 9:19
